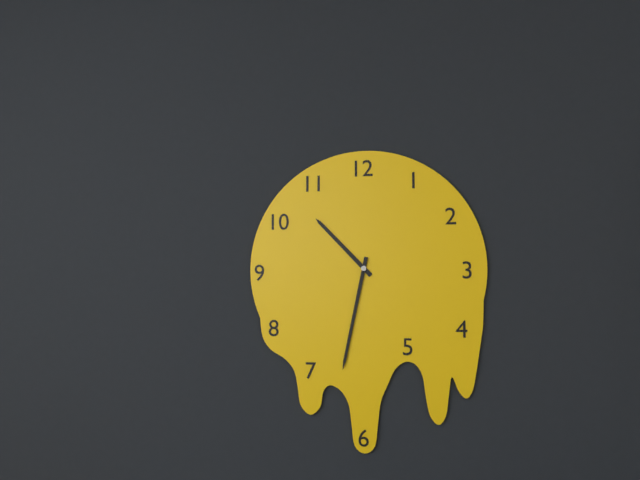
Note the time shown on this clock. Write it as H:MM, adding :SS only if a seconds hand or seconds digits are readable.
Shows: 10:32
